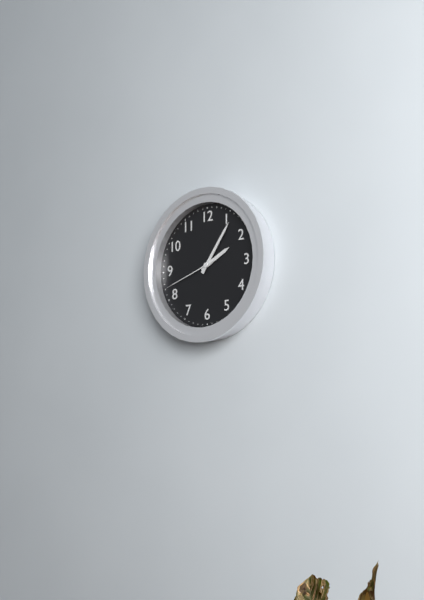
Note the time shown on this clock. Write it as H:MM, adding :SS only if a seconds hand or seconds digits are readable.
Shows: 2:06:42
